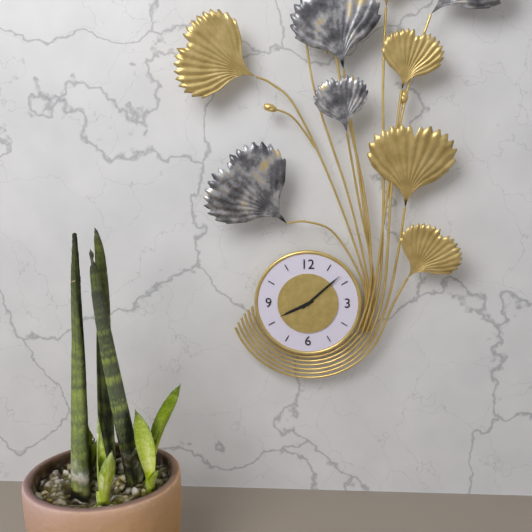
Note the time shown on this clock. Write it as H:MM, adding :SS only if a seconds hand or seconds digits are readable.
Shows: 8:08
